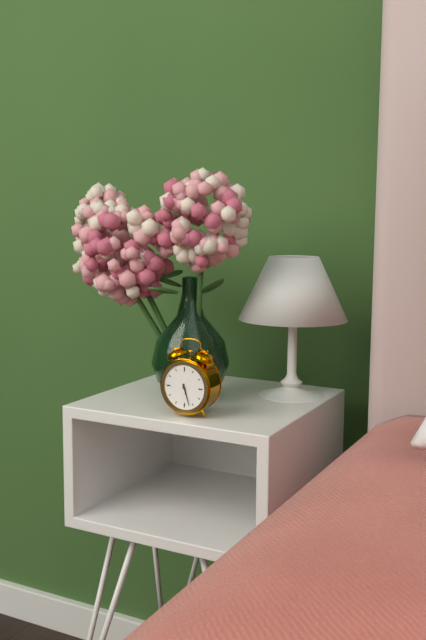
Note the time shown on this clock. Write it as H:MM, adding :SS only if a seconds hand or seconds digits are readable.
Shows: 5:27
